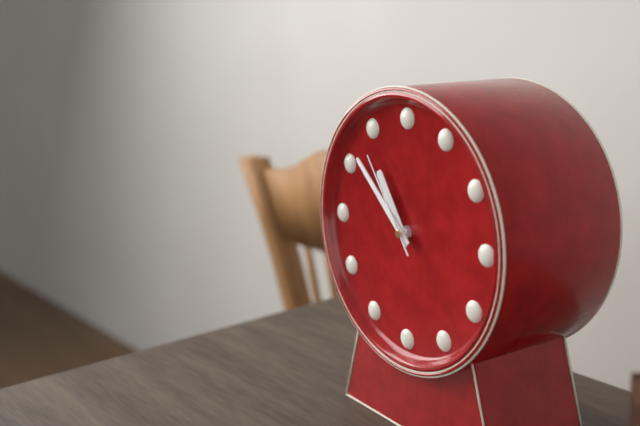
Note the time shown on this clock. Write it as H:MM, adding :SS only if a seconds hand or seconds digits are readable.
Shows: 10:52:54
